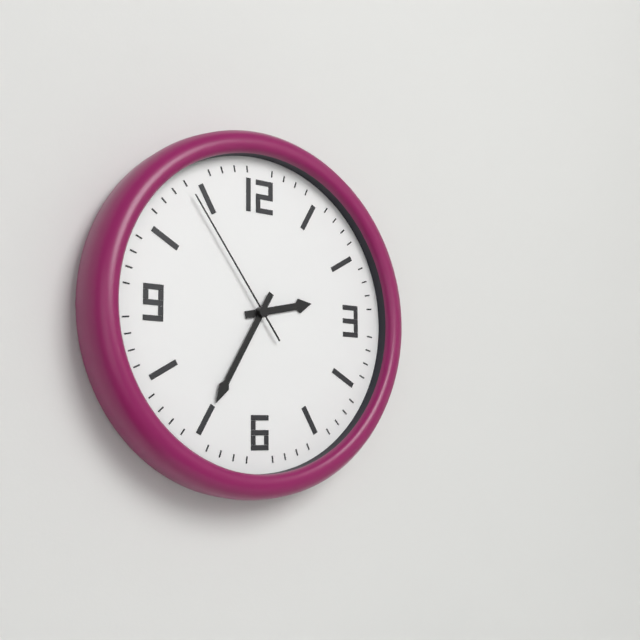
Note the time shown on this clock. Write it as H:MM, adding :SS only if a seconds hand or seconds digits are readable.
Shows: 2:35:54
